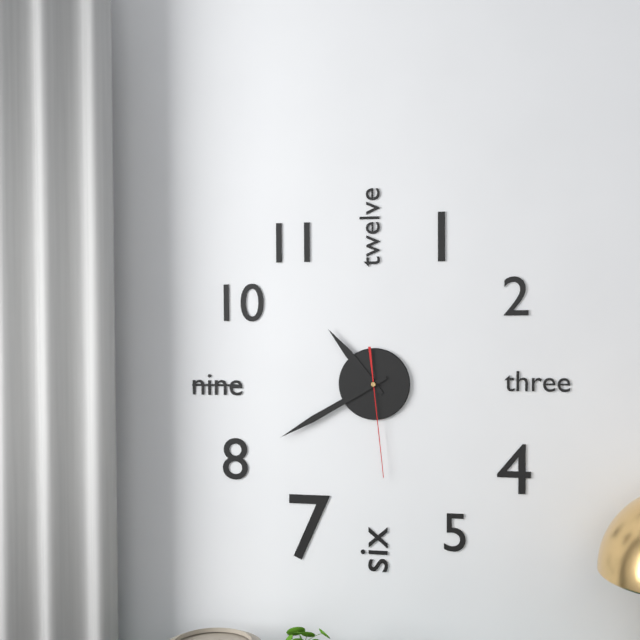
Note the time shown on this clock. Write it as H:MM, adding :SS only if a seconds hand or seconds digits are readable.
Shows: 10:40:29
